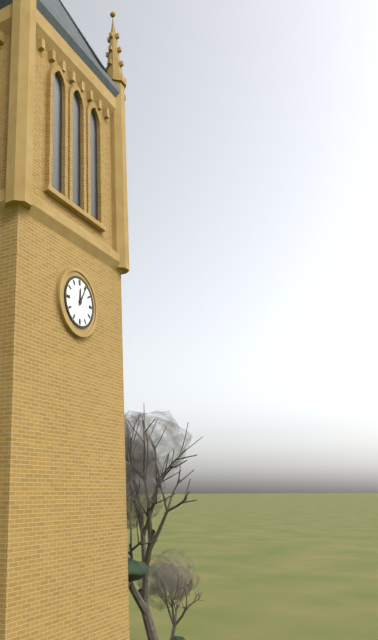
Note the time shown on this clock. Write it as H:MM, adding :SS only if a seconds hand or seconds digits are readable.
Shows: 12:05
